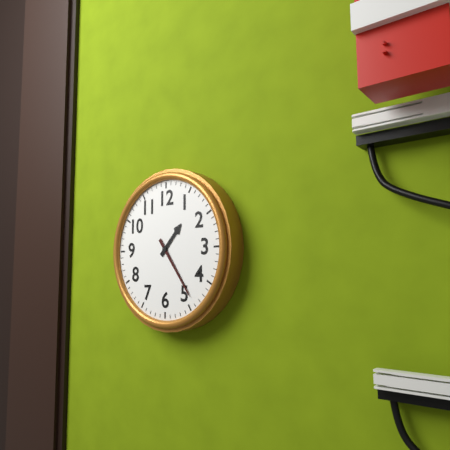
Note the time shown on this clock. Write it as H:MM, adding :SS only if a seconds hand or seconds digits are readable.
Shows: 1:24
